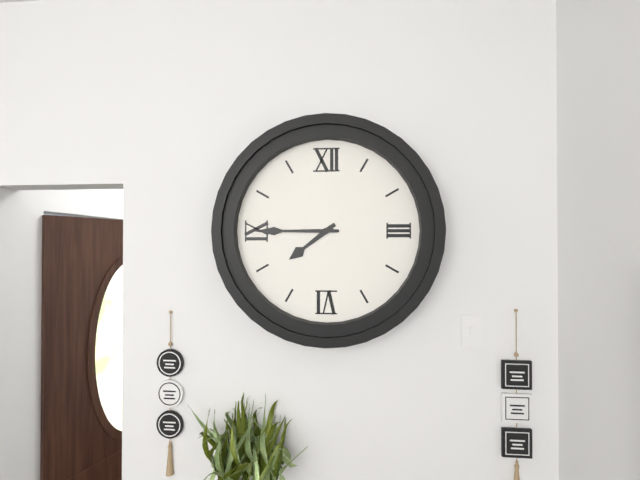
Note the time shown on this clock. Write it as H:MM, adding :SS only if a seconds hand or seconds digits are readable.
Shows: 7:45
